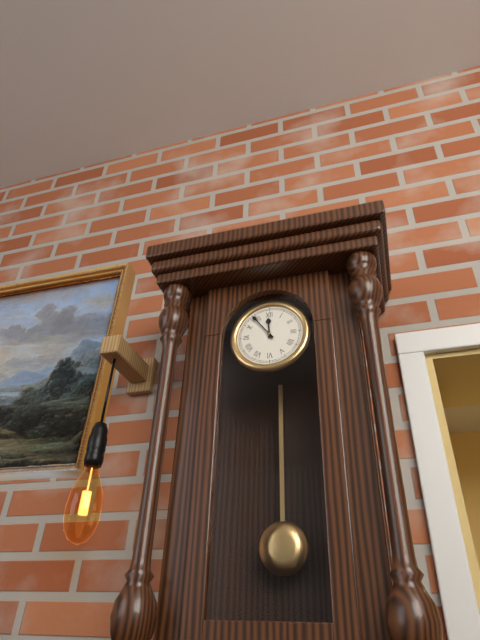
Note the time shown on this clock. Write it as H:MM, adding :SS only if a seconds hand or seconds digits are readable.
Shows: 11:54
